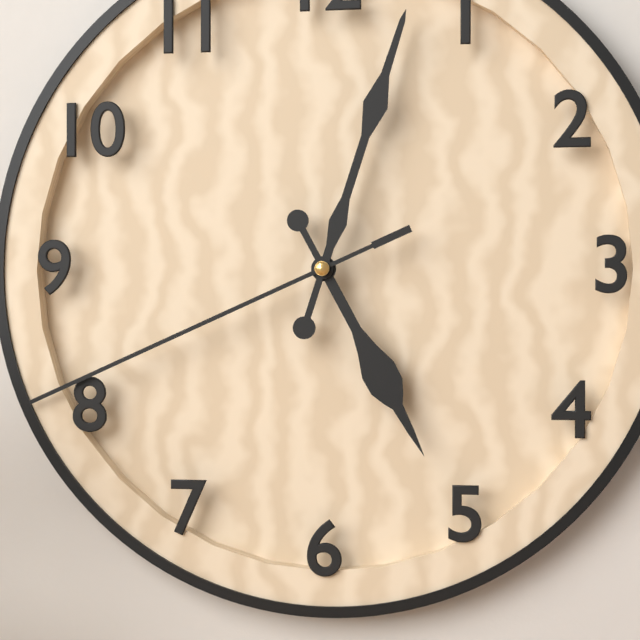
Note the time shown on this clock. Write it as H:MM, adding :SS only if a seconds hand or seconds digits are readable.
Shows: 5:03:41
